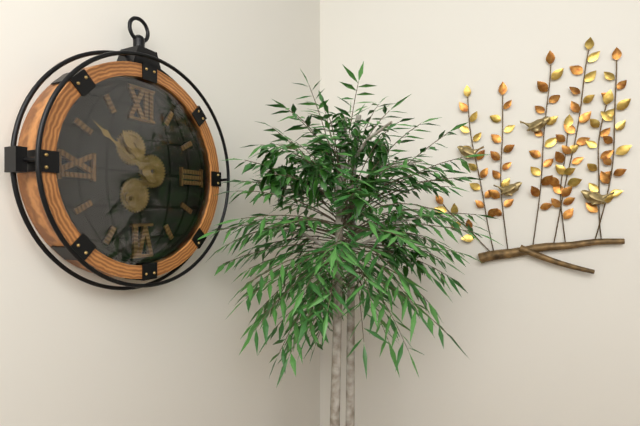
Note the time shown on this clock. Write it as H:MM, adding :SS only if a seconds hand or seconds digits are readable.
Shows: 10:51
